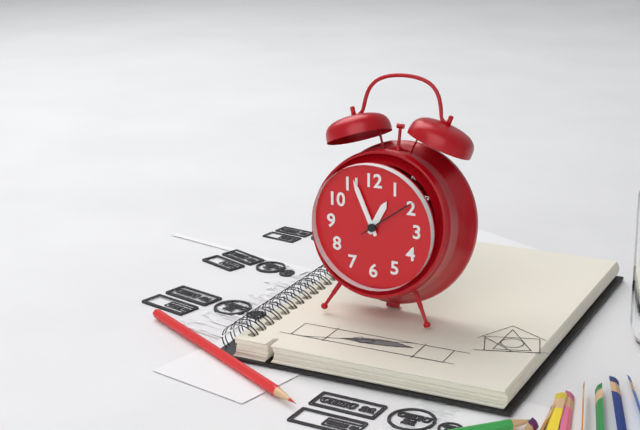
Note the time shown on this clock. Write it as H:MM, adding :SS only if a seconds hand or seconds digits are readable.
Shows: 12:56:09
